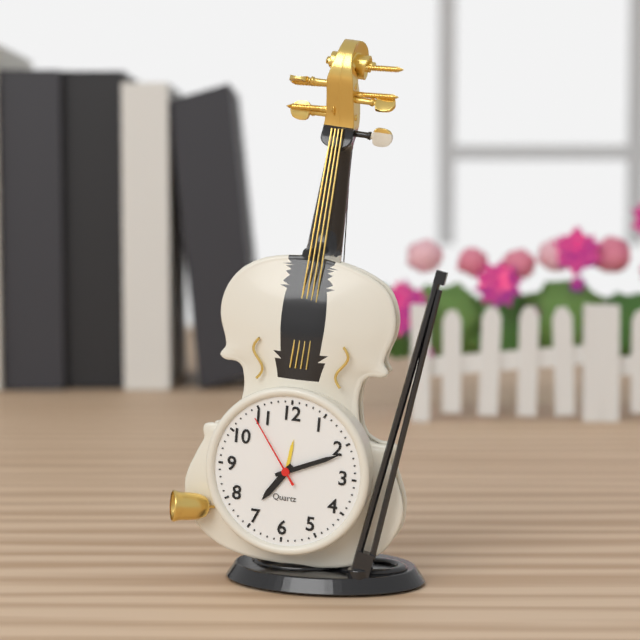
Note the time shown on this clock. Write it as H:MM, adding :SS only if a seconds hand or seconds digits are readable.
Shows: 7:11:54
